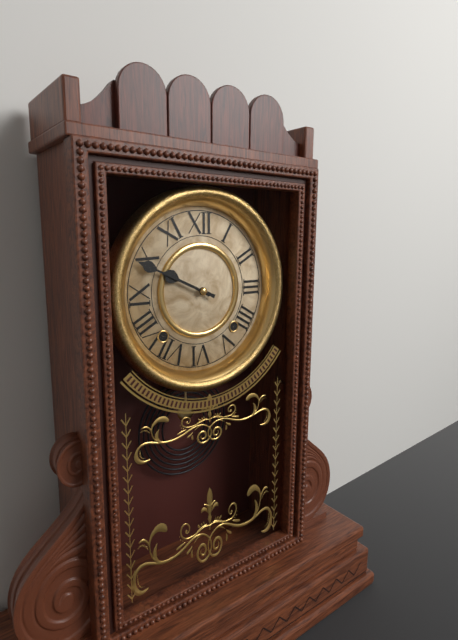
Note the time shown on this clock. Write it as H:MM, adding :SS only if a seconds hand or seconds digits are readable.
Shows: 9:49
